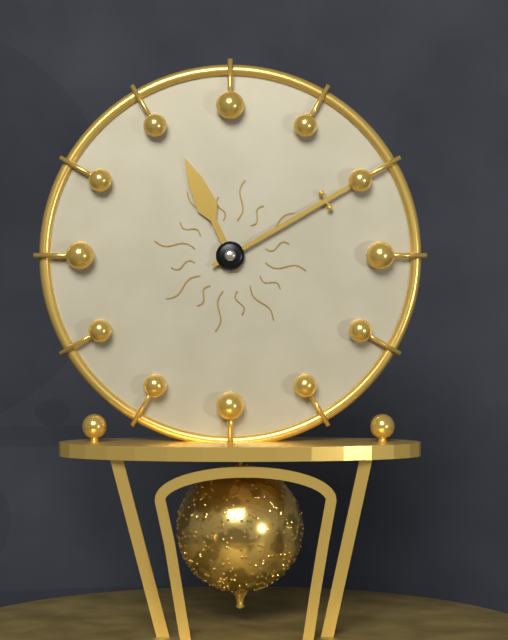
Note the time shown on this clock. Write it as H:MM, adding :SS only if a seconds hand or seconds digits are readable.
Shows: 11:10
